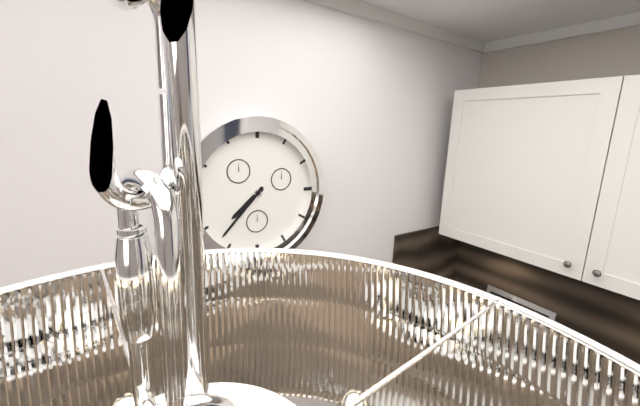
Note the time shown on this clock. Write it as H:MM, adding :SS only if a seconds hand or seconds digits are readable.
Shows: 7:37
